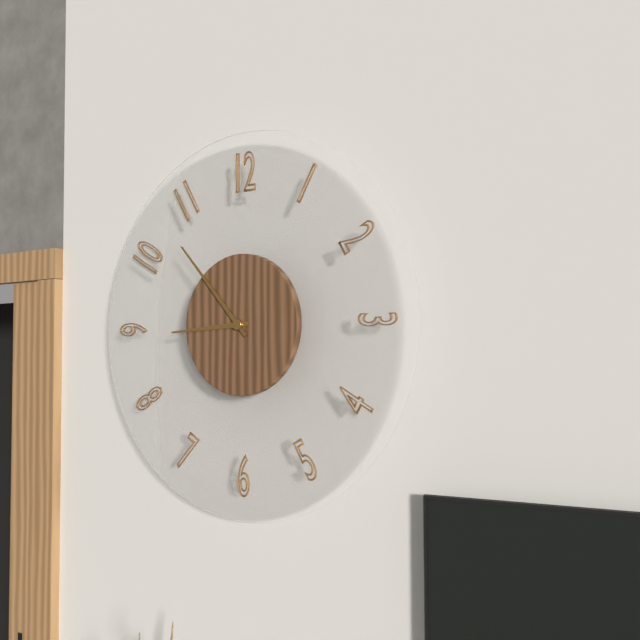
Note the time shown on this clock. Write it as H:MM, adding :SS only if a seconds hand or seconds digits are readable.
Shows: 8:53
